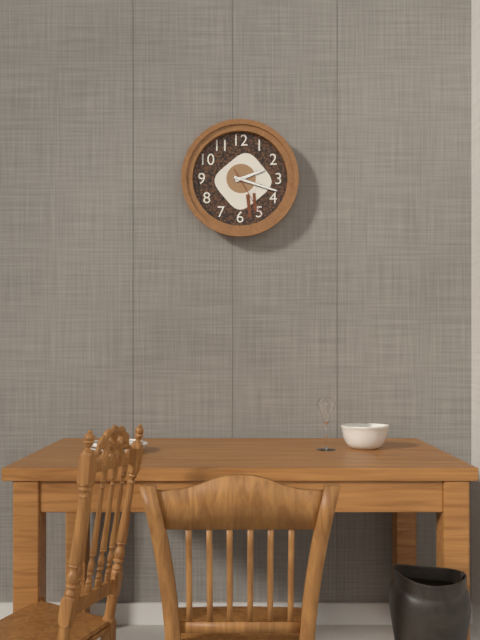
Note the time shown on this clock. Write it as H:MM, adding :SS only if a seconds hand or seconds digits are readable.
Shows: 2:18:25
